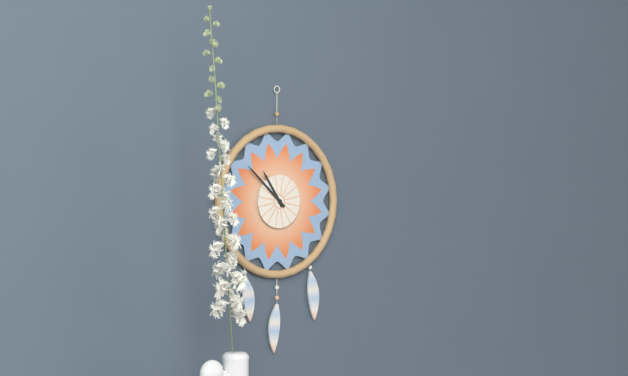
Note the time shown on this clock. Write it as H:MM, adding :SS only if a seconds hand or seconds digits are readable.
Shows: 10:52
